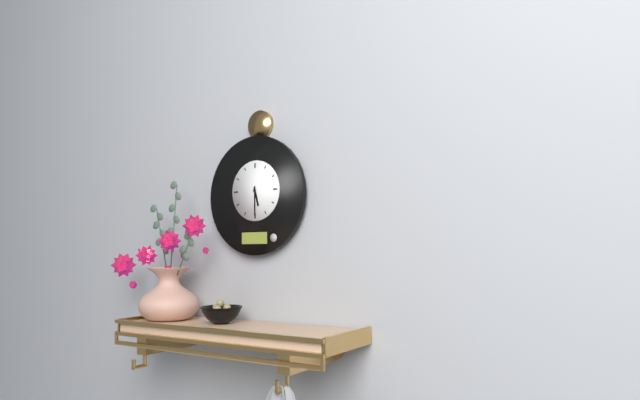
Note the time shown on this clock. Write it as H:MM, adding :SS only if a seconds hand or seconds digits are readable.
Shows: 5:30
